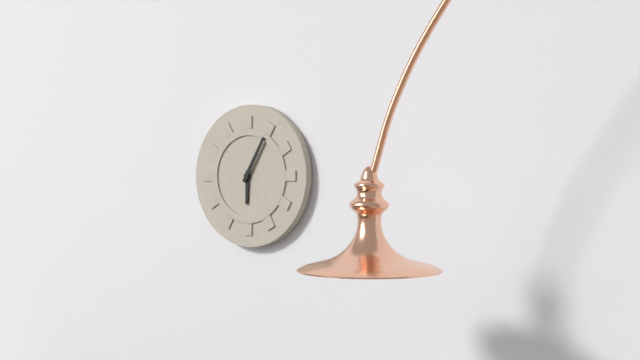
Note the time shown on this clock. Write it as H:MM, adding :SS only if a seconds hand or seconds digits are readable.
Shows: 6:05
